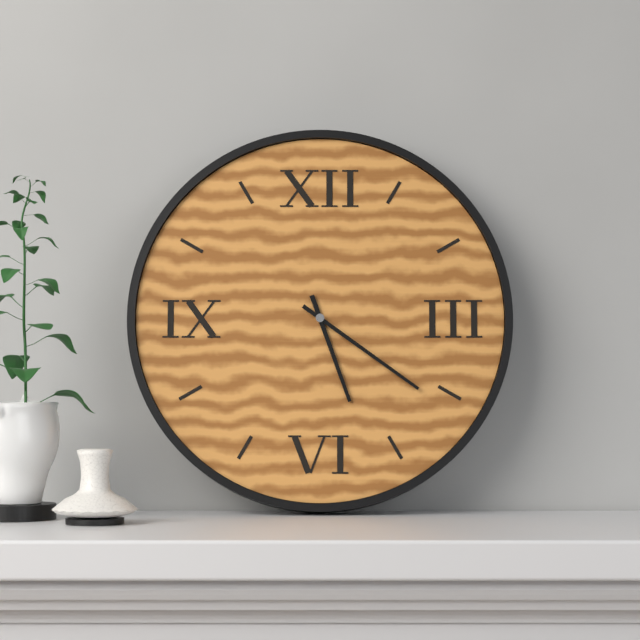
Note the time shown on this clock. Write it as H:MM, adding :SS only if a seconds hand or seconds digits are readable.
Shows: 5:21
